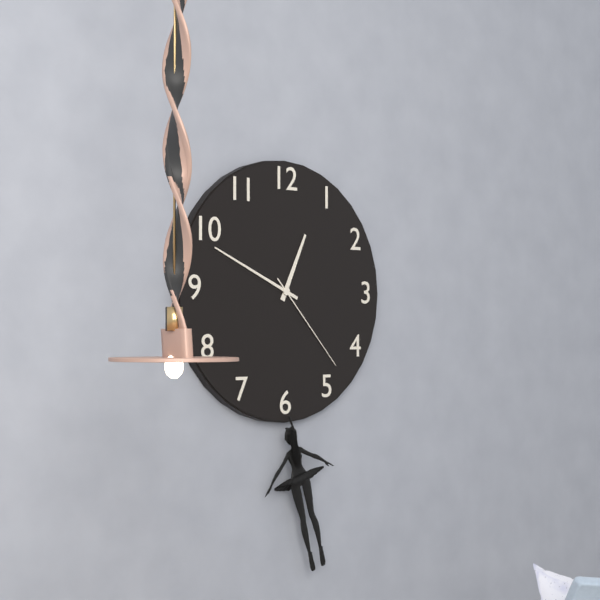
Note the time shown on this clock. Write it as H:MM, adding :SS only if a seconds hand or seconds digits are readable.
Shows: 12:49:23
